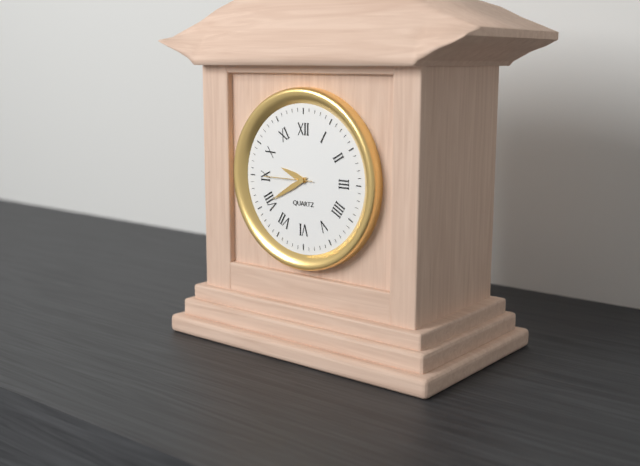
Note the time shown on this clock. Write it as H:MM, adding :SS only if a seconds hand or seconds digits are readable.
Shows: 9:40
